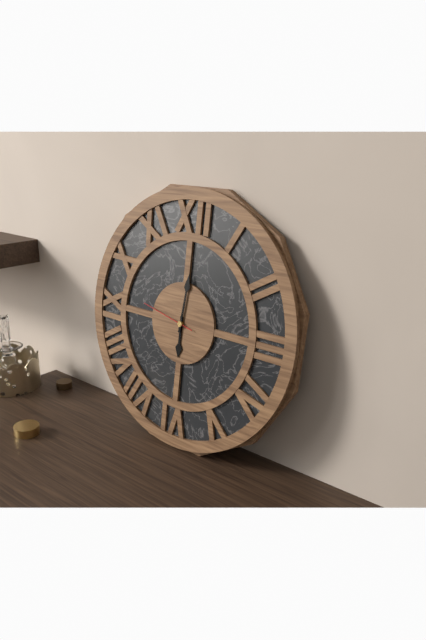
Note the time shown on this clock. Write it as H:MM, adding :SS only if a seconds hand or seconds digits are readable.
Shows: 6:01:47
